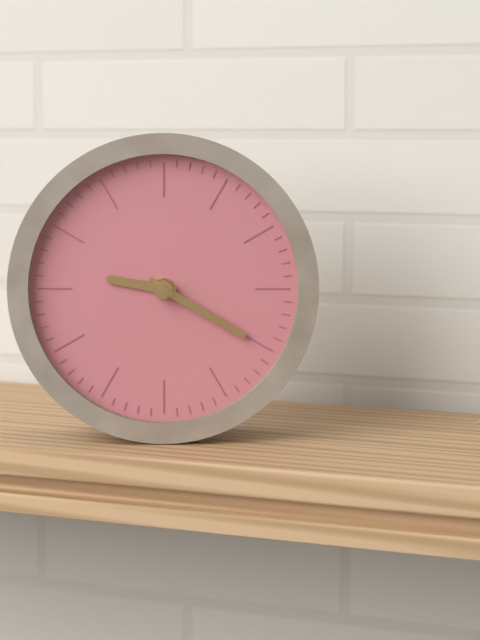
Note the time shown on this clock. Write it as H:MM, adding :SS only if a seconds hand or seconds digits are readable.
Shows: 9:20
